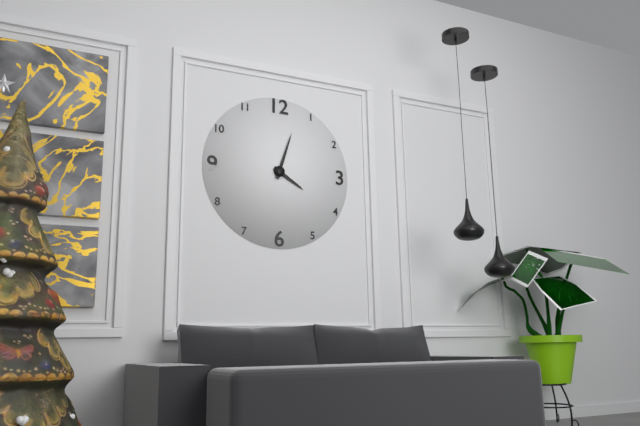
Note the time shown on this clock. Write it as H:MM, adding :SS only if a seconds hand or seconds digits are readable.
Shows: 4:03
